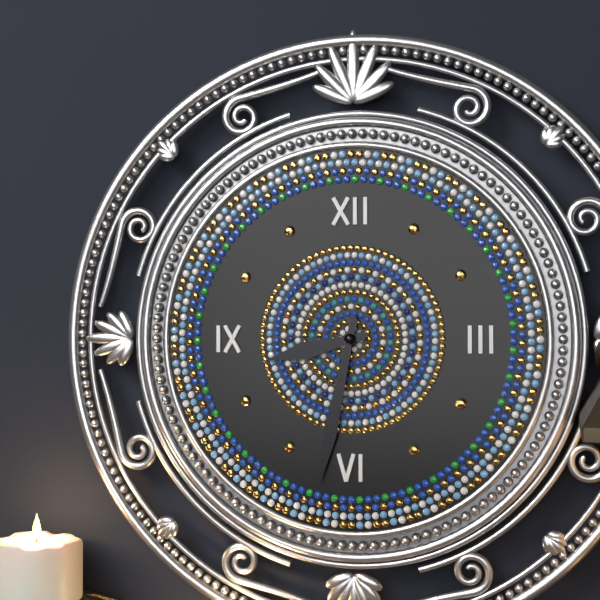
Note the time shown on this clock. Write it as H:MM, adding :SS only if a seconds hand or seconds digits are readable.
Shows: 8:32
